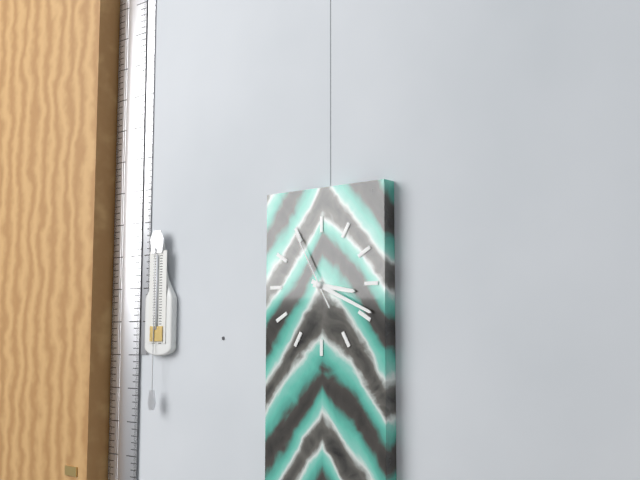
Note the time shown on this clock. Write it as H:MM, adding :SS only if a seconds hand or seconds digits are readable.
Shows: 3:19:55
